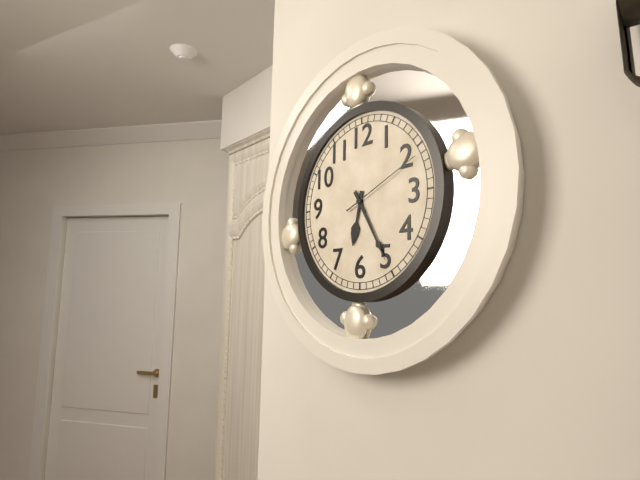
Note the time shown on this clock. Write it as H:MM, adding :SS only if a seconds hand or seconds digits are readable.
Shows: 6:25:11
